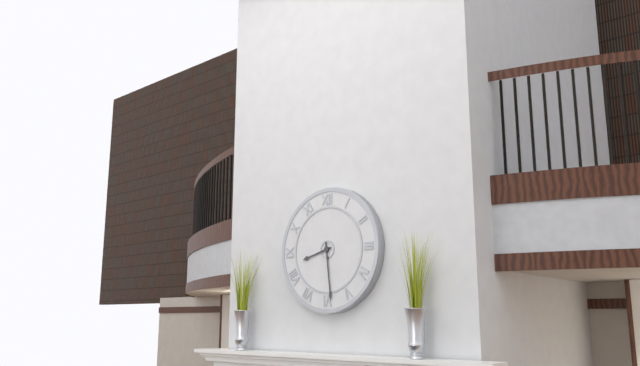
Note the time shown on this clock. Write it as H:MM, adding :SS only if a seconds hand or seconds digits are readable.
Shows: 8:29
